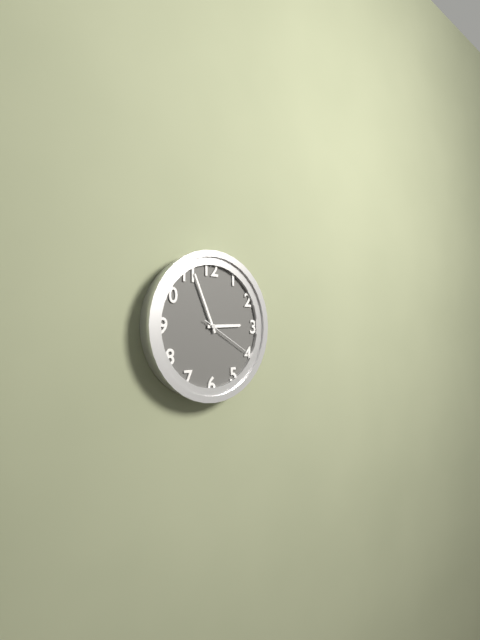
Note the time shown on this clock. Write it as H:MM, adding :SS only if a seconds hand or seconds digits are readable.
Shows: 2:56:20
